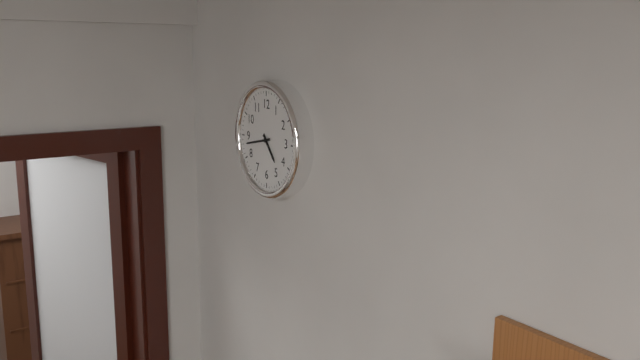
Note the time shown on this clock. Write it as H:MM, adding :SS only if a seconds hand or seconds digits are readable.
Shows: 4:43
